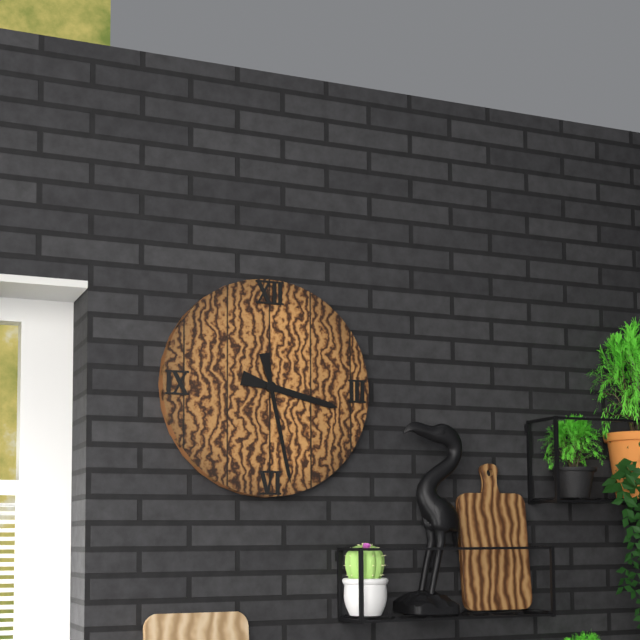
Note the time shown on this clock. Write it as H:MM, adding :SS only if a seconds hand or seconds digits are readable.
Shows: 3:28
